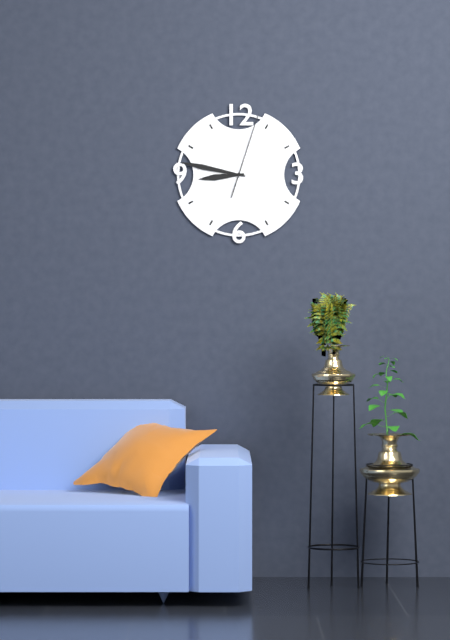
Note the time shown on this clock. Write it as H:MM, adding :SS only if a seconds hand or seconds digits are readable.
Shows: 8:47:03
